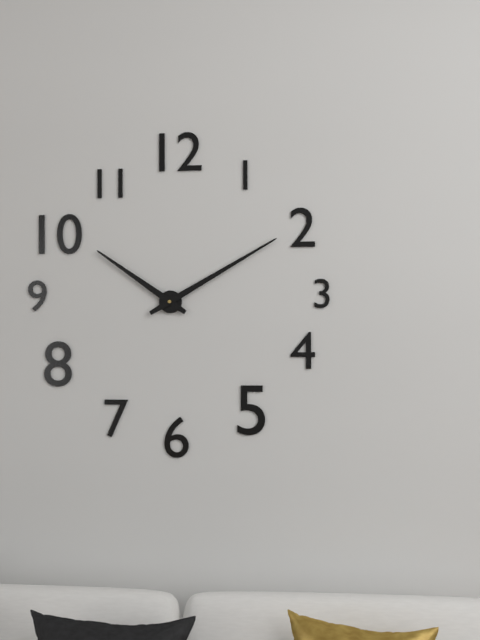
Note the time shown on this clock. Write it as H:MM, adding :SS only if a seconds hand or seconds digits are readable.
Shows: 10:10
